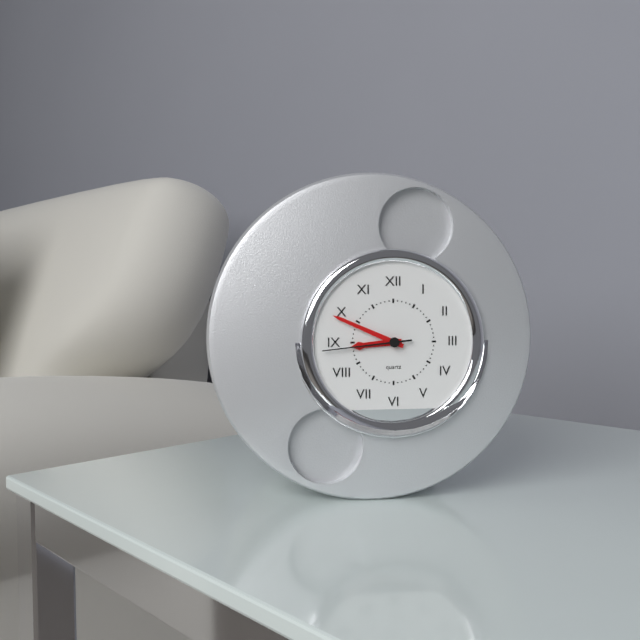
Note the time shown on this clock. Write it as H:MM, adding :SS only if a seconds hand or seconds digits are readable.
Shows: 8:49:44
